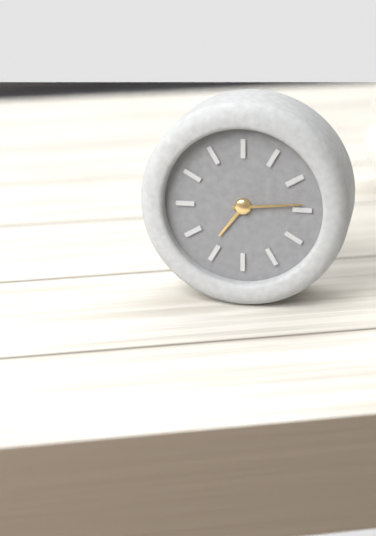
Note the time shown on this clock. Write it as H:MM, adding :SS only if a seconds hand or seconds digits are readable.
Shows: 7:14
